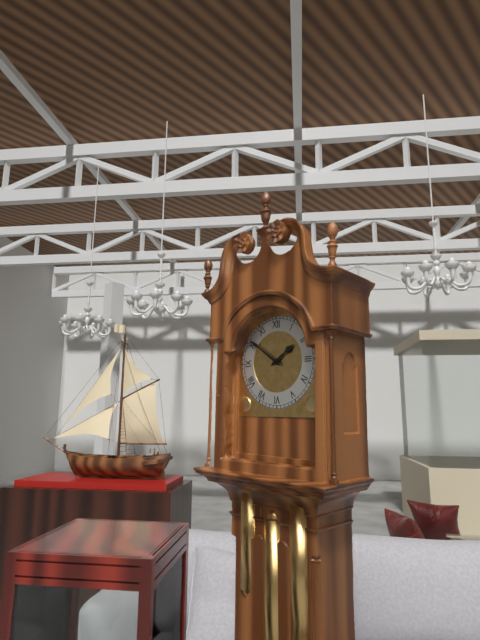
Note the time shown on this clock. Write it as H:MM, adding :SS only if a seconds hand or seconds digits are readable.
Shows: 1:51
